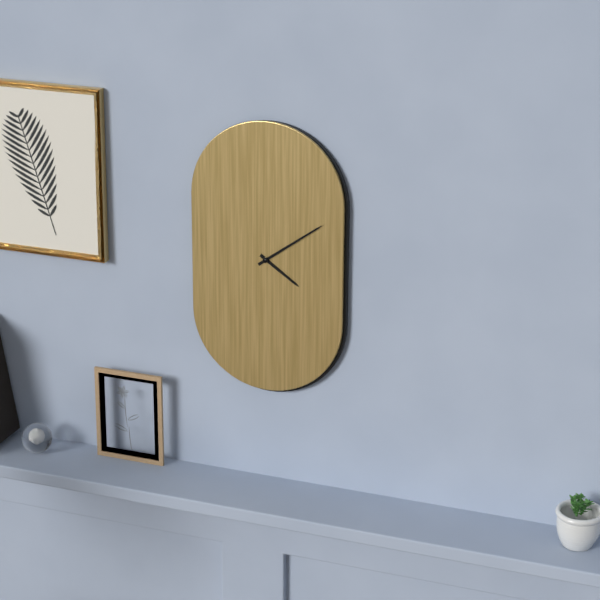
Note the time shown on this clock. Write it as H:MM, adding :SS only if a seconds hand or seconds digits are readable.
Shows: 4:09
